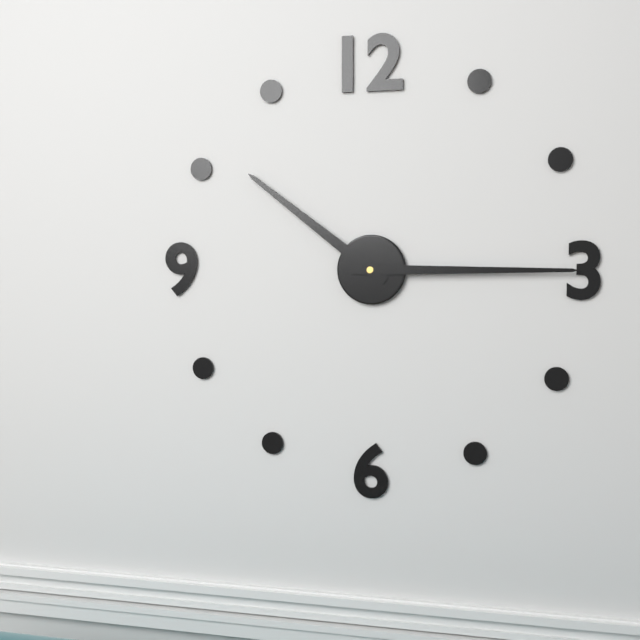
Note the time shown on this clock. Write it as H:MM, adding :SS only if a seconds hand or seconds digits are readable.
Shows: 10:15
